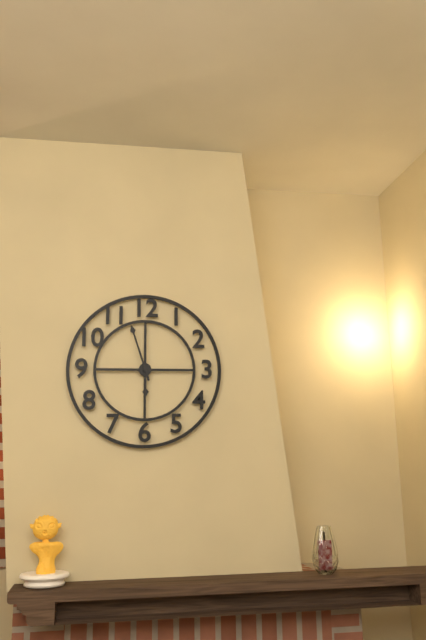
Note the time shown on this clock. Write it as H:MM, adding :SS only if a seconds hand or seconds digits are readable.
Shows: 5:57
